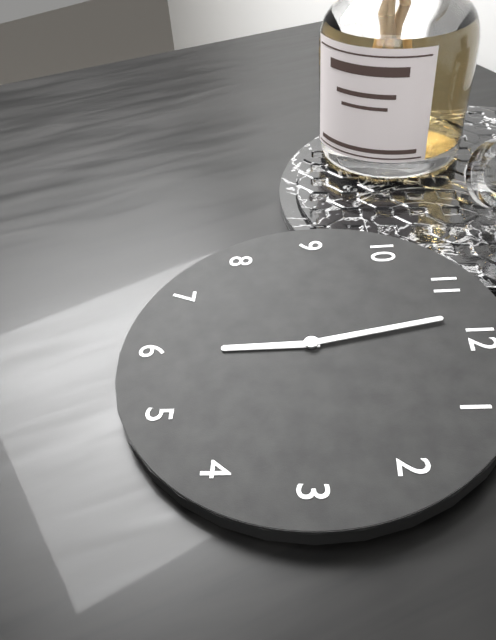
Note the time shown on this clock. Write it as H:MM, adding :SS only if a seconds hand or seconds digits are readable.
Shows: 5:58
